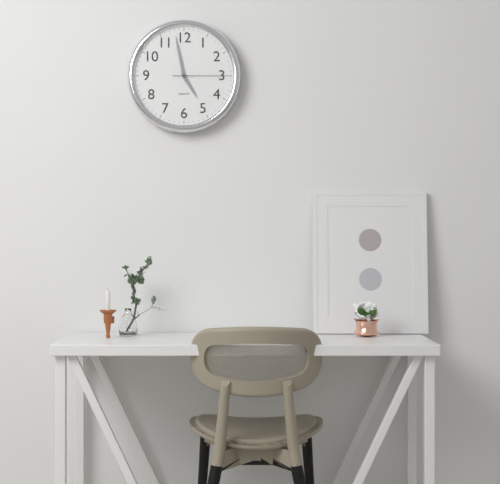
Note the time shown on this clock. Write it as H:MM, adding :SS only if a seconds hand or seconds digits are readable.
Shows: 4:58:15
